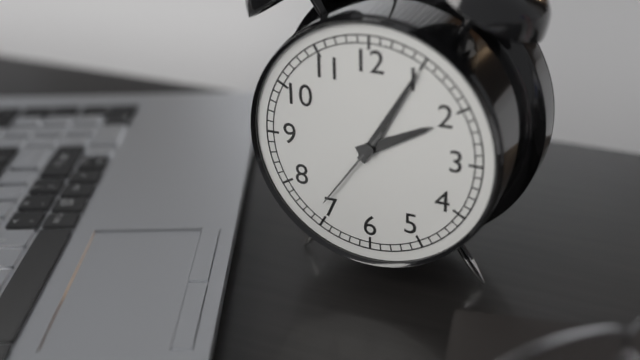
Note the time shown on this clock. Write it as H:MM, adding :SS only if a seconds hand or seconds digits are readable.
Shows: 2:05:36
